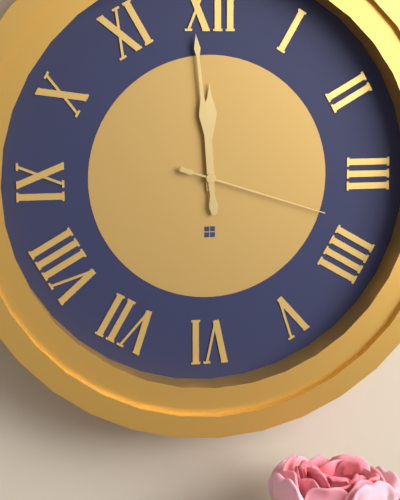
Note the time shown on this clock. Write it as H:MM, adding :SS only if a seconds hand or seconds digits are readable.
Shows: 11:59:18
